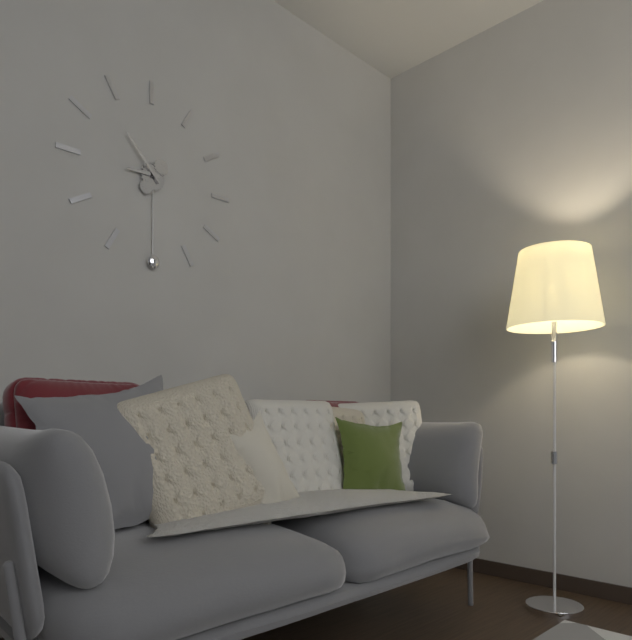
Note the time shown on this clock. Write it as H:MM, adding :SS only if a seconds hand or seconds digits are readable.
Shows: 8:53
